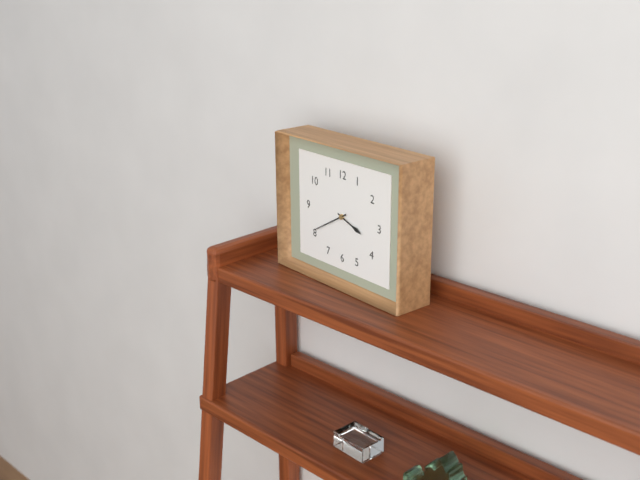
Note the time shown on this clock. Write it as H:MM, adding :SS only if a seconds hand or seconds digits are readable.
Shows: 3:40
